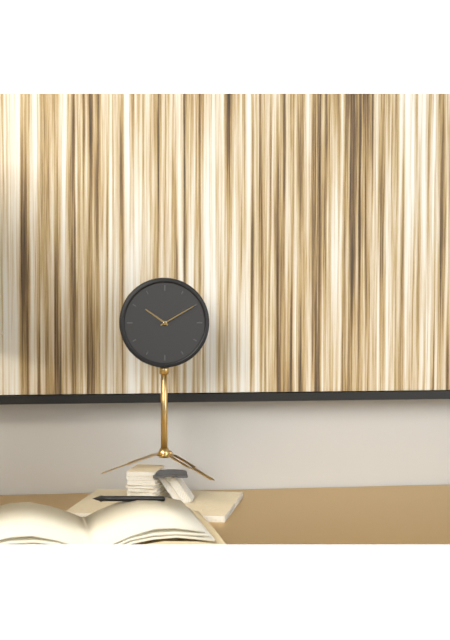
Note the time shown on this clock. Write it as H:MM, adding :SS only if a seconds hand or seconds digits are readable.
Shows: 10:10
